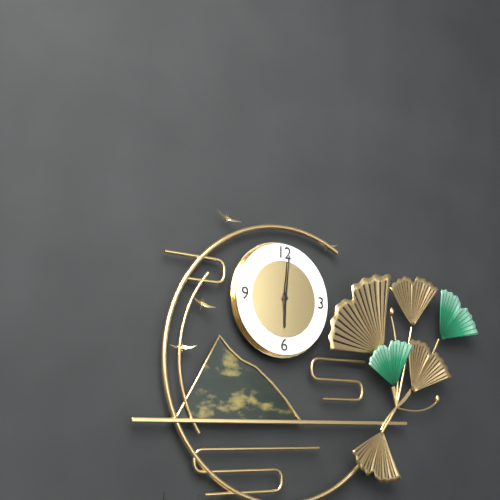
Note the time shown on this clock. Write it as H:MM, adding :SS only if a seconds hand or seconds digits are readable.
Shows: 6:01
